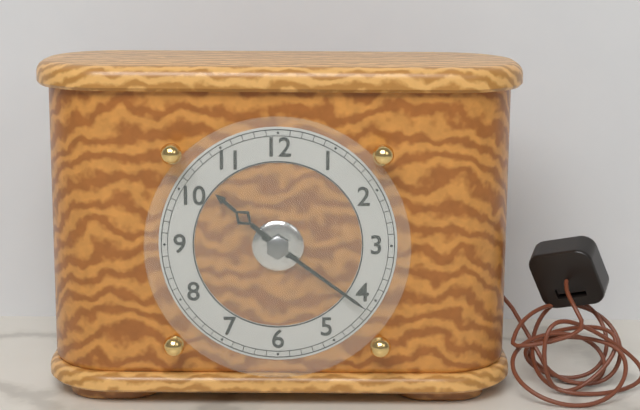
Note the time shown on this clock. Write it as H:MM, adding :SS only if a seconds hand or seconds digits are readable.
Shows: 10:21
